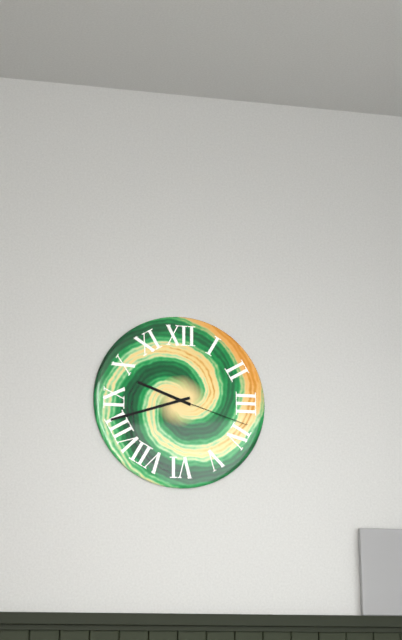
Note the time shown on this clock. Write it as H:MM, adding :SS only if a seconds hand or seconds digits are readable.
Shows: 9:42:18
